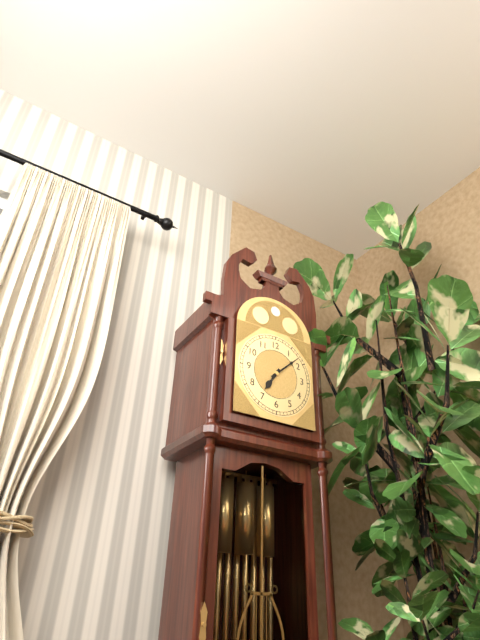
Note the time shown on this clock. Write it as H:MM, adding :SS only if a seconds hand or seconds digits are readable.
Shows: 7:08
